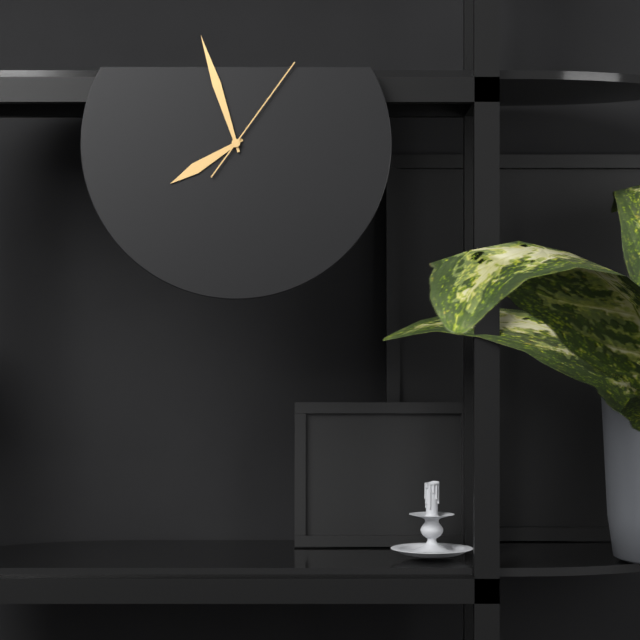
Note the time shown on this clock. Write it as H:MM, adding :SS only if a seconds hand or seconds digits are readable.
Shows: 7:57:06
